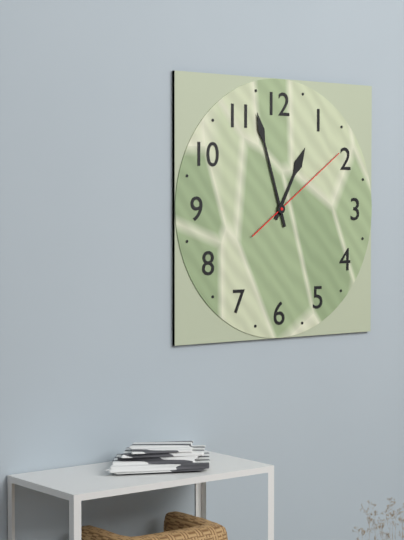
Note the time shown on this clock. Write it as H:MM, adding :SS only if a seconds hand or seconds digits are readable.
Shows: 12:57:09
